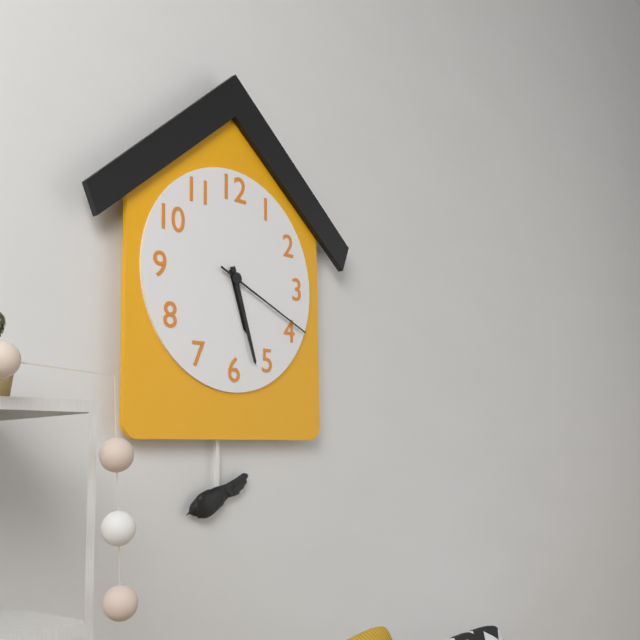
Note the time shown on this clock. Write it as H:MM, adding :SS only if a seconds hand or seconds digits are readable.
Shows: 5:27:19
